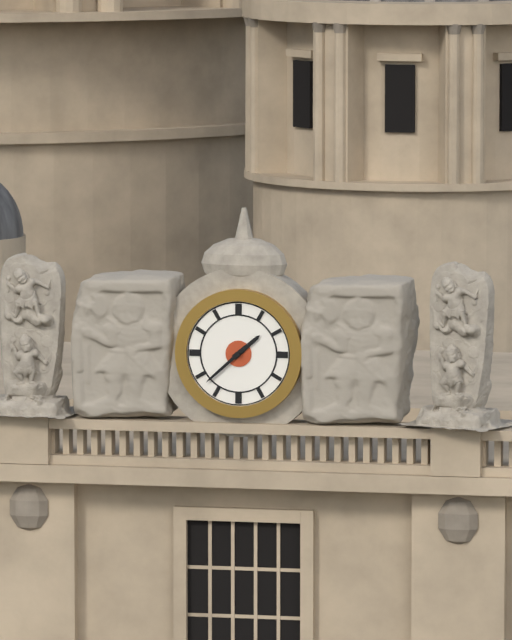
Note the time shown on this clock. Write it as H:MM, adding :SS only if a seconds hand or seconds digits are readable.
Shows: 1:38
